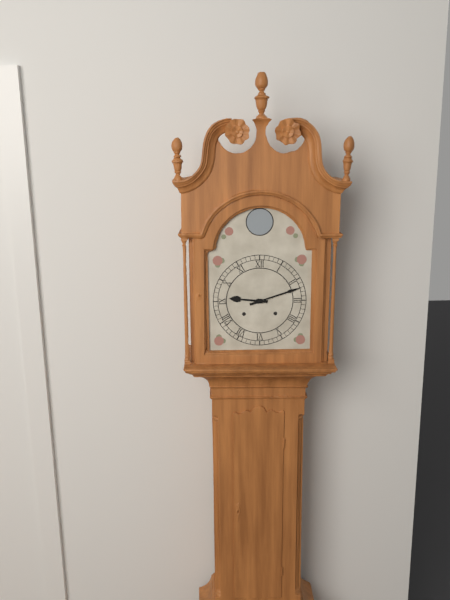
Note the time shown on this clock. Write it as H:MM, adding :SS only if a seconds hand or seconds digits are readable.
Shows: 9:12
